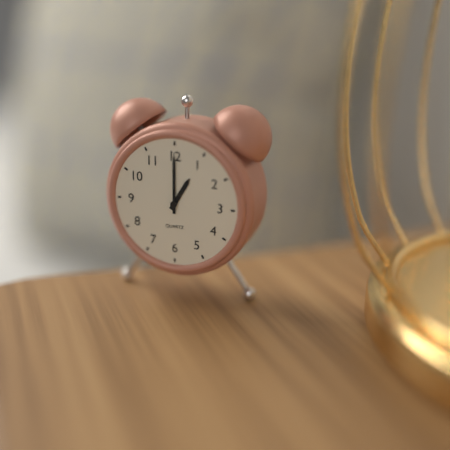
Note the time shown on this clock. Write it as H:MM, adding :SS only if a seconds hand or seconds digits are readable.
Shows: 1:00
